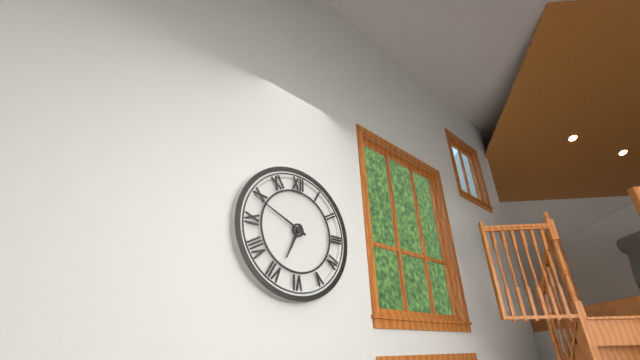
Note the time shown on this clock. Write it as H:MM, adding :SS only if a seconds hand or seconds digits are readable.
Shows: 6:49
